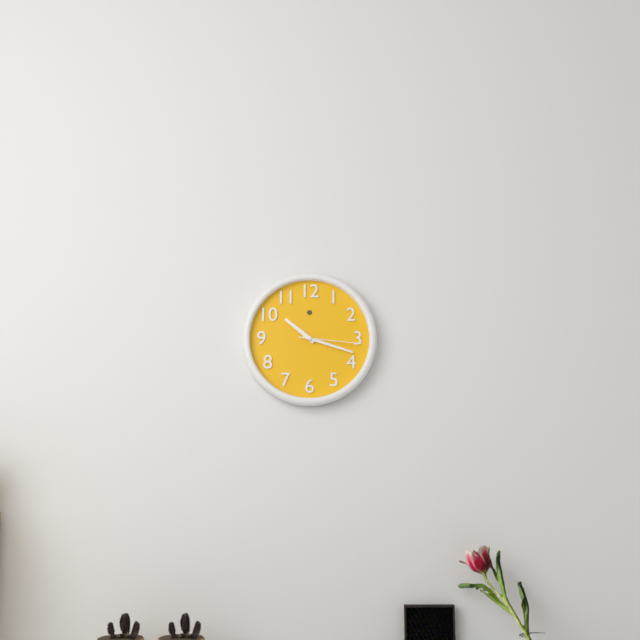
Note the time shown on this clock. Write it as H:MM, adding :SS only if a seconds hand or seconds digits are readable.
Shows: 10:18:16
